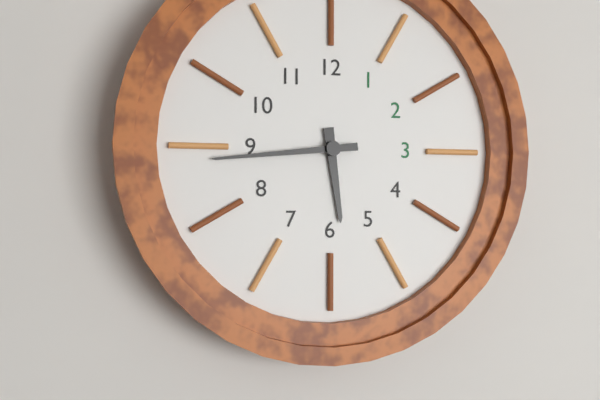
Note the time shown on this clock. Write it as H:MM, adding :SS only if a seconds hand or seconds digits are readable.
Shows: 5:44
